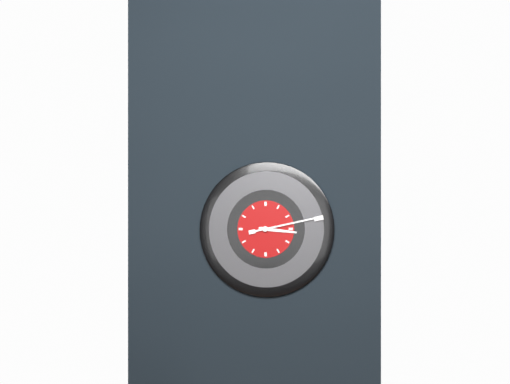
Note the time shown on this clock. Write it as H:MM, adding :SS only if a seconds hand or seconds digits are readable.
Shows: 3:13
